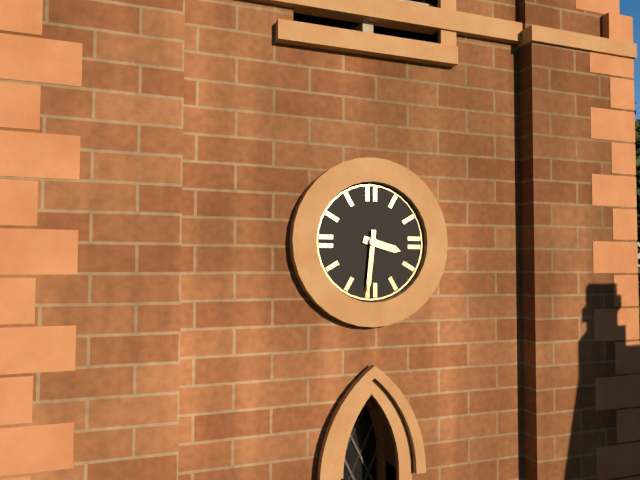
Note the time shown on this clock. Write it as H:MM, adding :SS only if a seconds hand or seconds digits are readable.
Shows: 3:31
